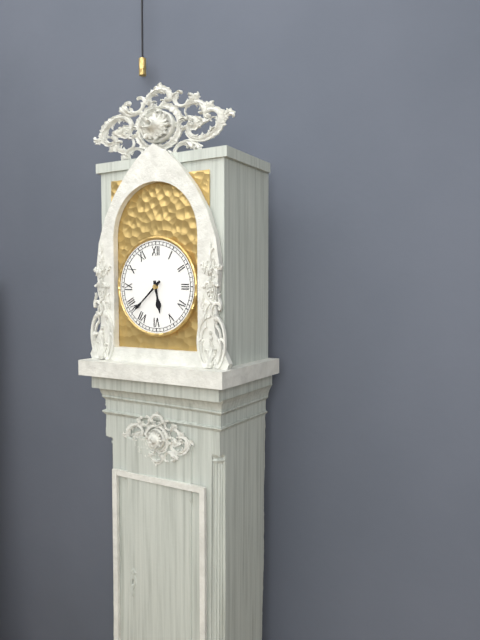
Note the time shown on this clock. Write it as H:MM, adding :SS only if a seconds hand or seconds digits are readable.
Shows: 5:38
